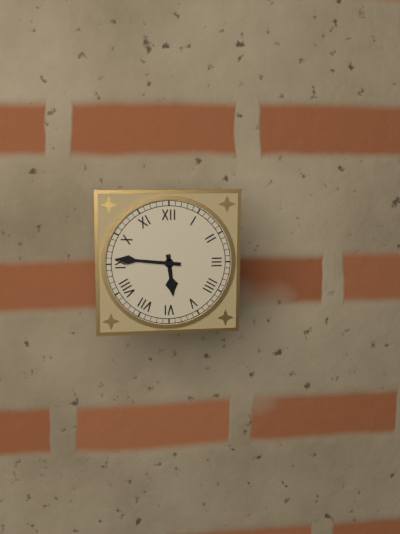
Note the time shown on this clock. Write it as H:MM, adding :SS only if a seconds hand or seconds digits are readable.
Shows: 5:46
